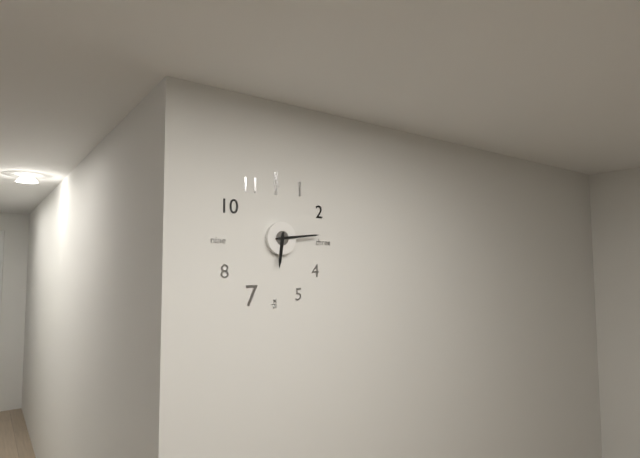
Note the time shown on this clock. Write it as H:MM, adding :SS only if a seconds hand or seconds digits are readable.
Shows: 6:14
